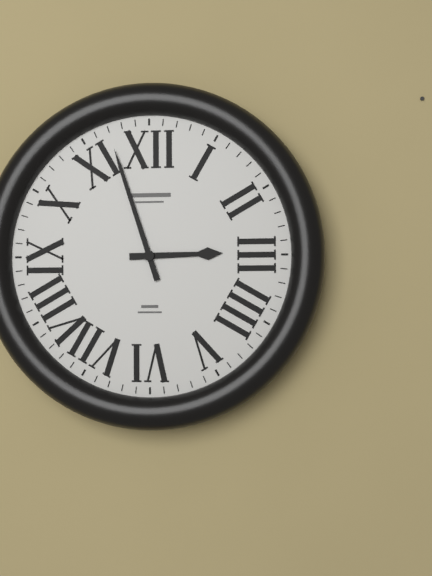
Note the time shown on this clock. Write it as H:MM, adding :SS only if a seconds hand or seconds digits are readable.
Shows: 2:57
